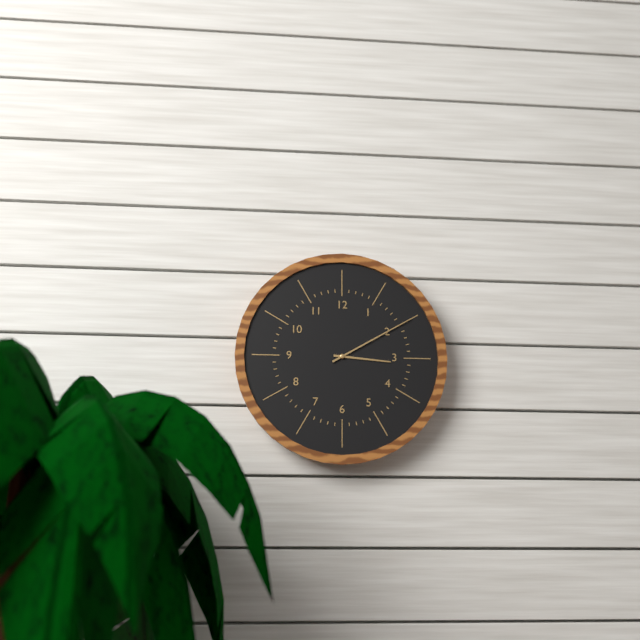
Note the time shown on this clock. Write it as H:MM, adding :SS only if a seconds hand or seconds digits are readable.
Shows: 3:10
